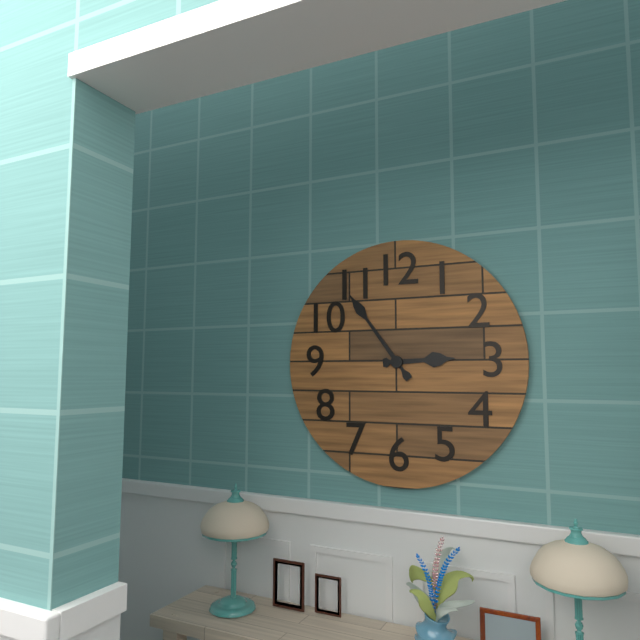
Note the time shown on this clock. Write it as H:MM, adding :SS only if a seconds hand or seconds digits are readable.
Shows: 2:54
